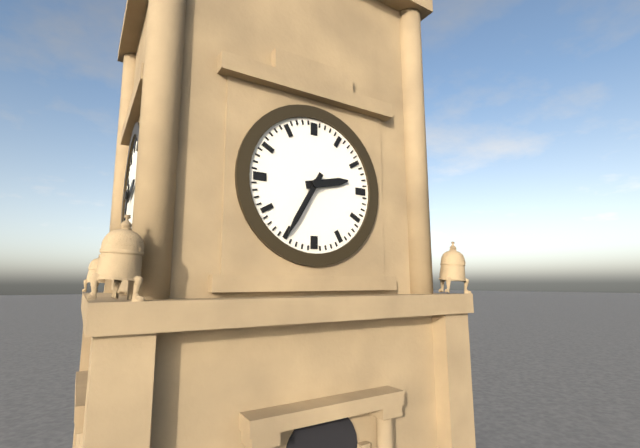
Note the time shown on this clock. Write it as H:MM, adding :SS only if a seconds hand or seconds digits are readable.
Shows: 2:35
